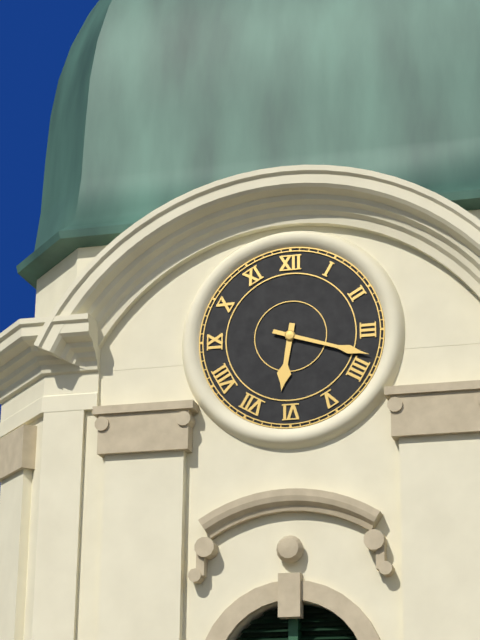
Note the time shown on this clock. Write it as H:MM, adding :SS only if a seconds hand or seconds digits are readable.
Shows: 6:18
